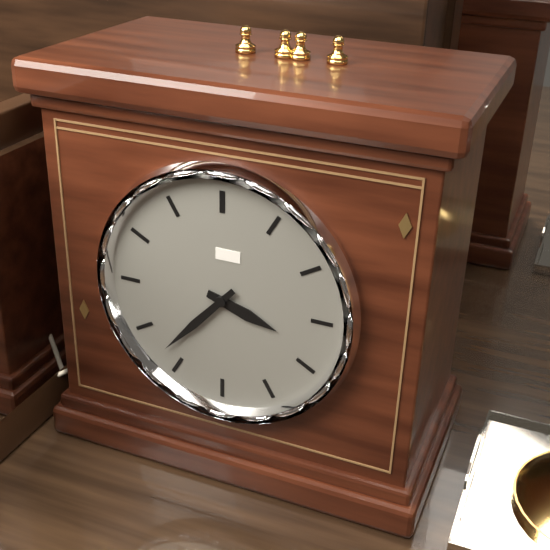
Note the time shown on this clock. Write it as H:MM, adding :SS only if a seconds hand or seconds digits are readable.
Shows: 3:37
